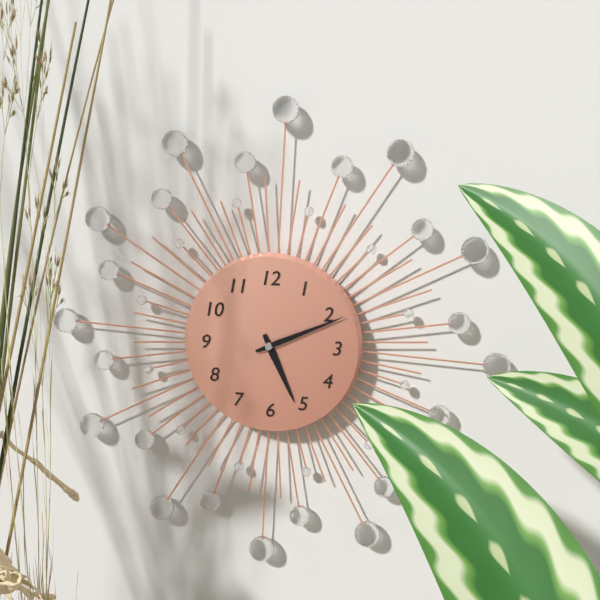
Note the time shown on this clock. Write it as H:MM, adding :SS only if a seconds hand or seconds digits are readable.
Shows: 5:11
